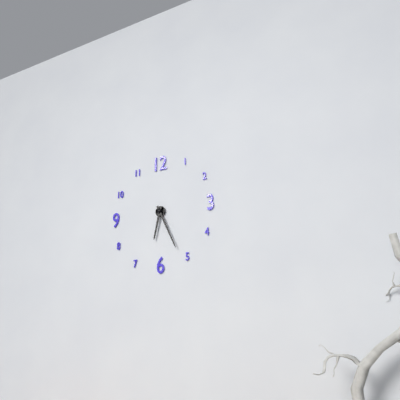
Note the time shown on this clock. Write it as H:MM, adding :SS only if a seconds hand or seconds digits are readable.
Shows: 6:26
